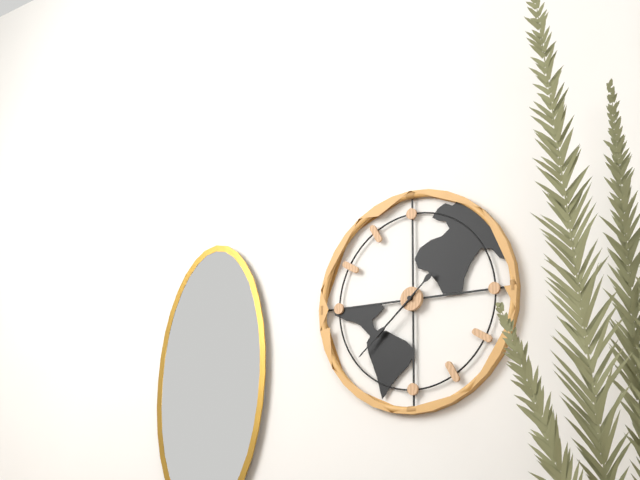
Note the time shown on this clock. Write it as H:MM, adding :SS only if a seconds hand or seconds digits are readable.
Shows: 7:38
